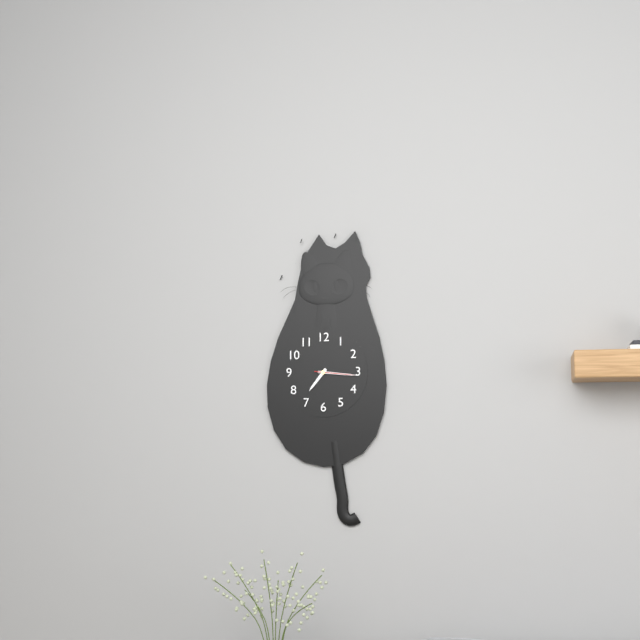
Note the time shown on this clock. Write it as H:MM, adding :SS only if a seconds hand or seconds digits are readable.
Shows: 7:16
